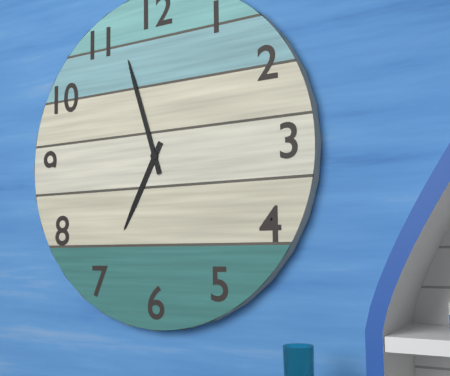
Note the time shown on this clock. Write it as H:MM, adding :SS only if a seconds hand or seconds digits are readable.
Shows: 6:57
